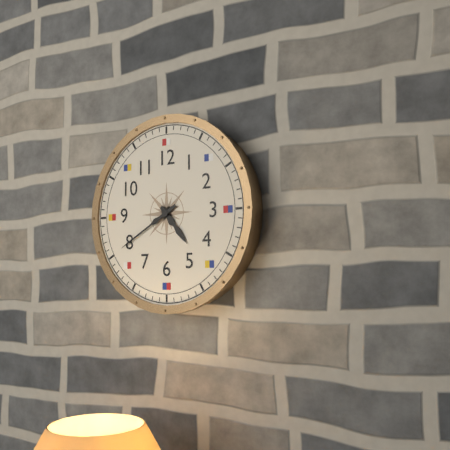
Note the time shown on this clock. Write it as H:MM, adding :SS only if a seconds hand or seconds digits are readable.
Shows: 4:40
